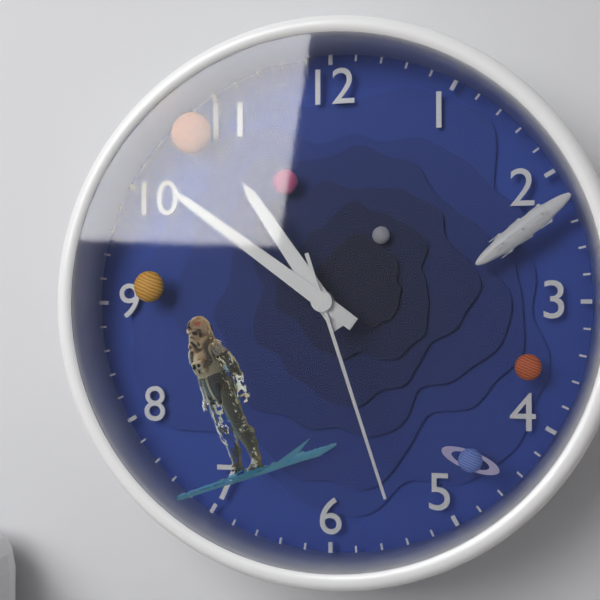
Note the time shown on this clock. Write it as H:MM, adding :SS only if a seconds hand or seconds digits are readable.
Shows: 10:51:27
